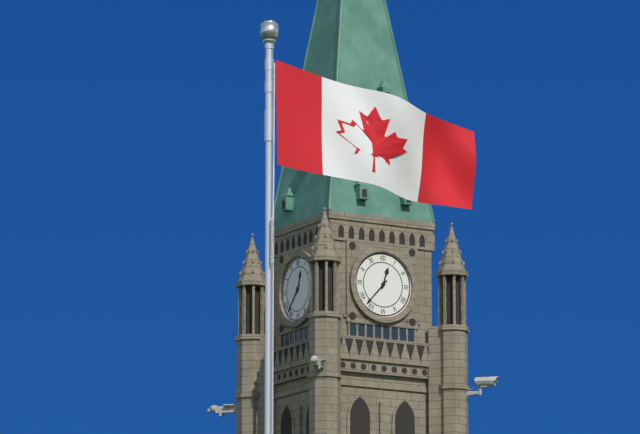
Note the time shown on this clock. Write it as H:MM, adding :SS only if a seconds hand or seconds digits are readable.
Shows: 12:37
